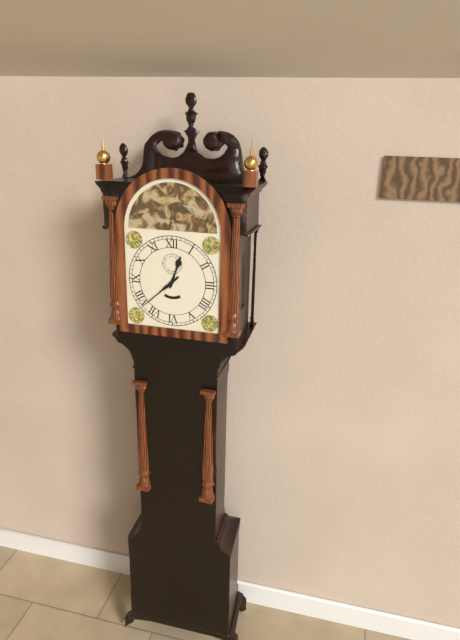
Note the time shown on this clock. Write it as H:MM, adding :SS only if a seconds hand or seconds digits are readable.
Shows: 12:38
